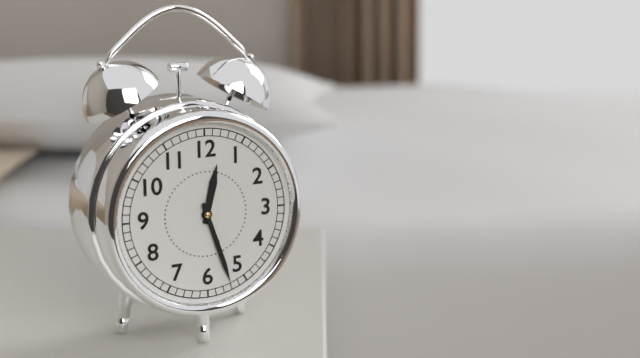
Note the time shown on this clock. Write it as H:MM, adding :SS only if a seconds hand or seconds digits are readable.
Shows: 12:27
